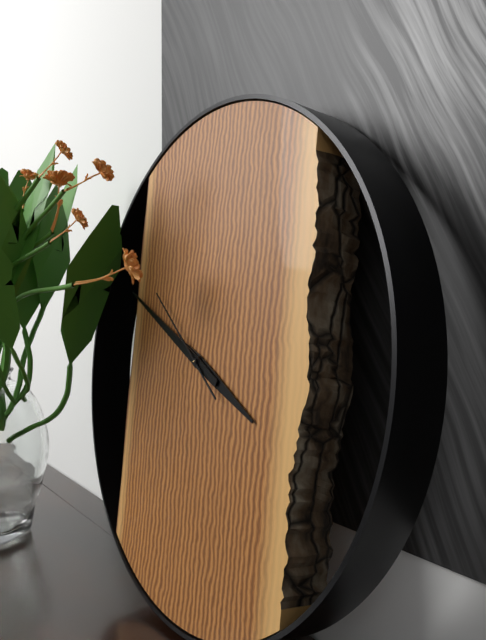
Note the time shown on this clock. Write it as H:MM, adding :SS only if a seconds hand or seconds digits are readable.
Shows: 3:49:51
